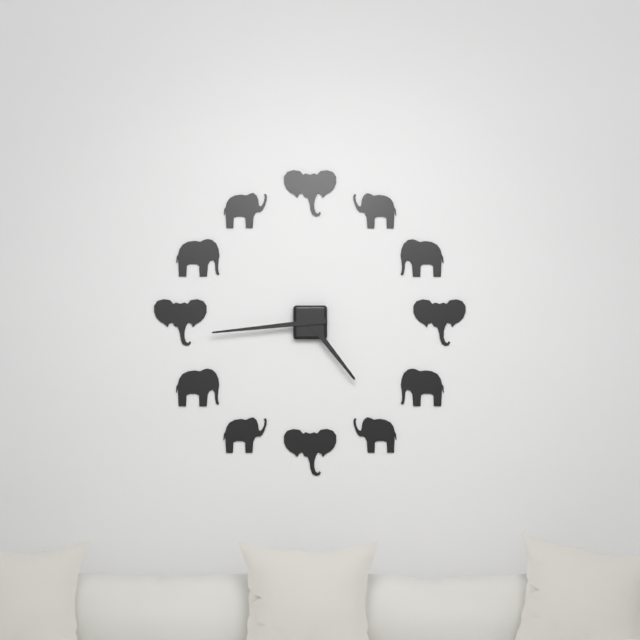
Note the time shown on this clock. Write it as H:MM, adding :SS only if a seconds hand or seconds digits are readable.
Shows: 4:44
